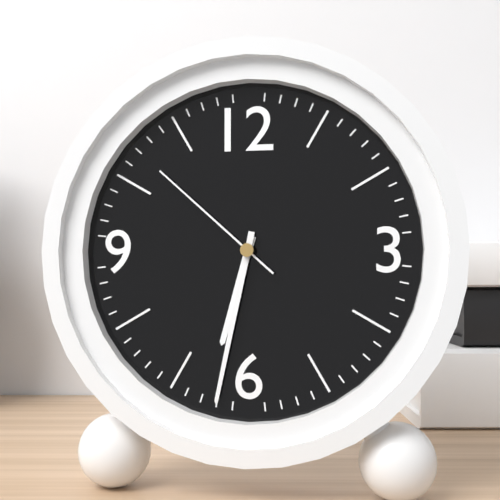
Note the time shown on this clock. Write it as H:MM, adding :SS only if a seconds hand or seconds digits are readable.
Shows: 6:32:52
